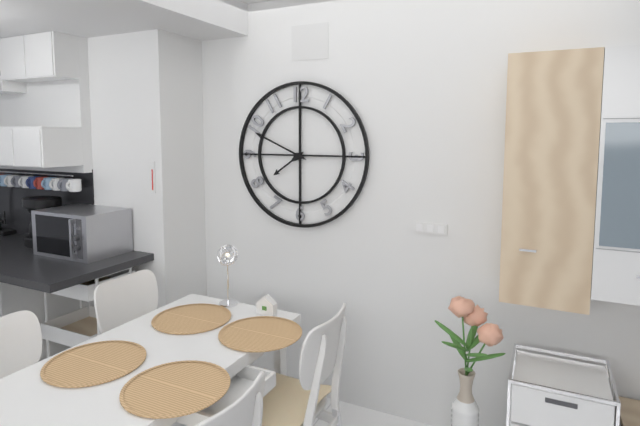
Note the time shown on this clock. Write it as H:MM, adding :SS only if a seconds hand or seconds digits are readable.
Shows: 7:49
